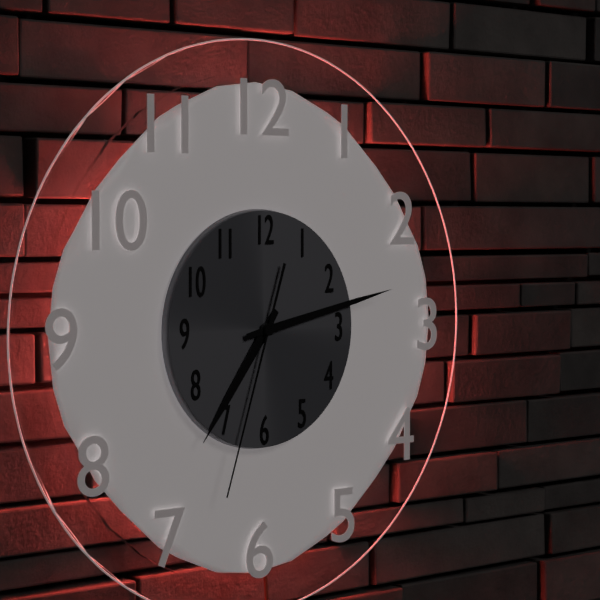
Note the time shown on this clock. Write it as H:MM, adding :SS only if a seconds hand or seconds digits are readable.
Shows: 7:13:33
